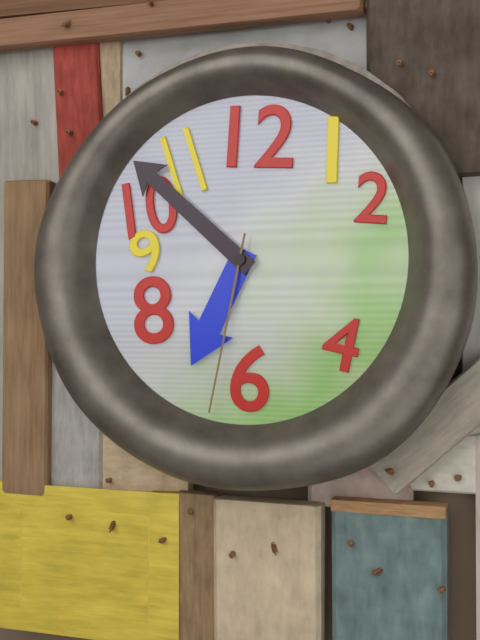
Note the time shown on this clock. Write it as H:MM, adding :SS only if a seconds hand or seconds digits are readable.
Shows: 6:52:32
